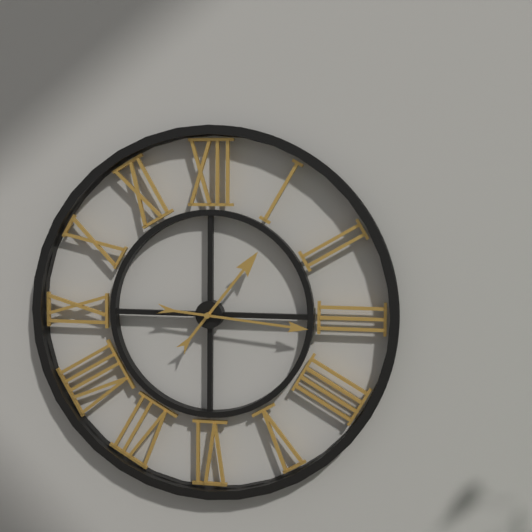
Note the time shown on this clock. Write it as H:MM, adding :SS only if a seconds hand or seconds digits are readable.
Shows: 1:16
